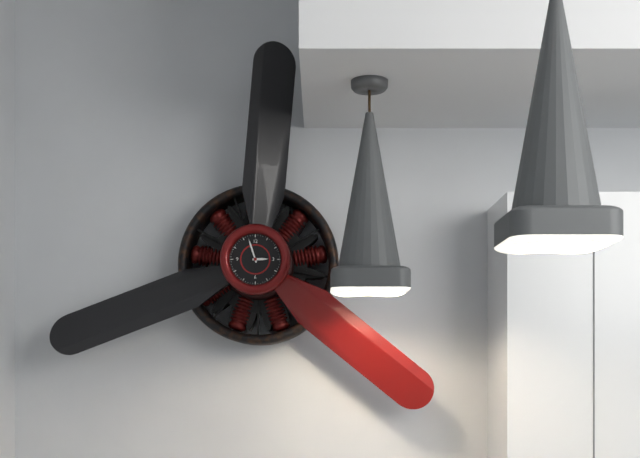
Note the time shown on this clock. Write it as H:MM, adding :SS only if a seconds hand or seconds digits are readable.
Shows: 2:57
